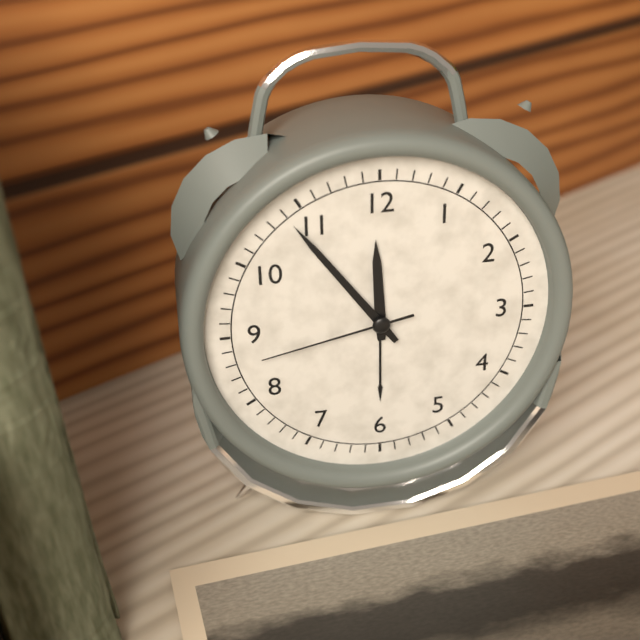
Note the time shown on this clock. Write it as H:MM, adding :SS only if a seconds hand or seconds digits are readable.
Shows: 11:54:43
